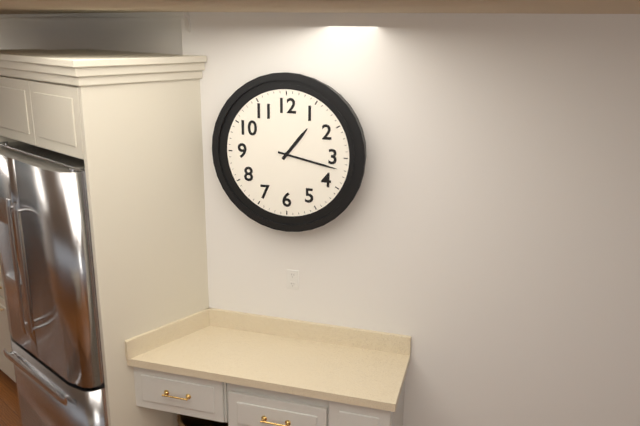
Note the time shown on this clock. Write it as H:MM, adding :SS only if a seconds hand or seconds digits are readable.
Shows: 1:17
